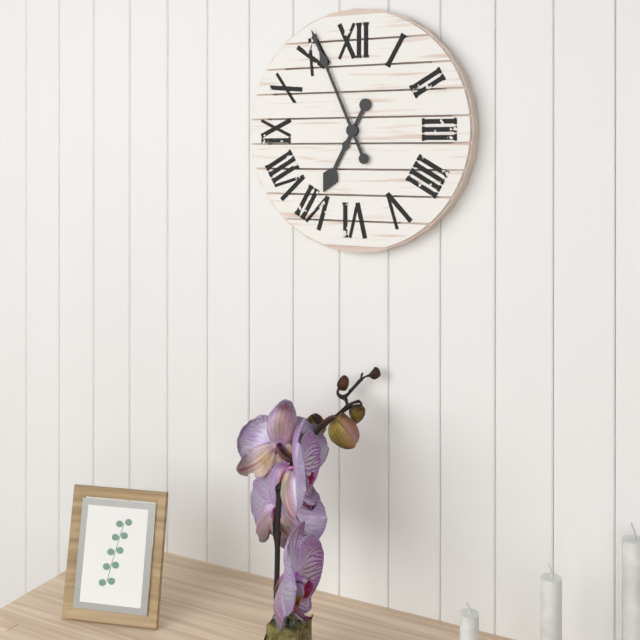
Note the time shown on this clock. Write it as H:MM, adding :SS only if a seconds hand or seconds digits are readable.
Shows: 6:56
